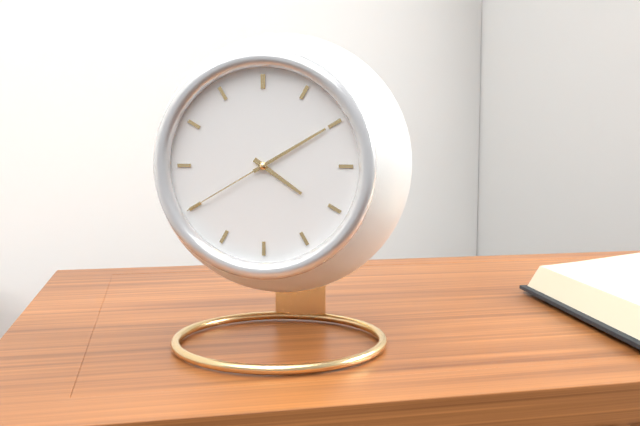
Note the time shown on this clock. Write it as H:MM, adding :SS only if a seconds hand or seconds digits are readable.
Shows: 4:10:40
